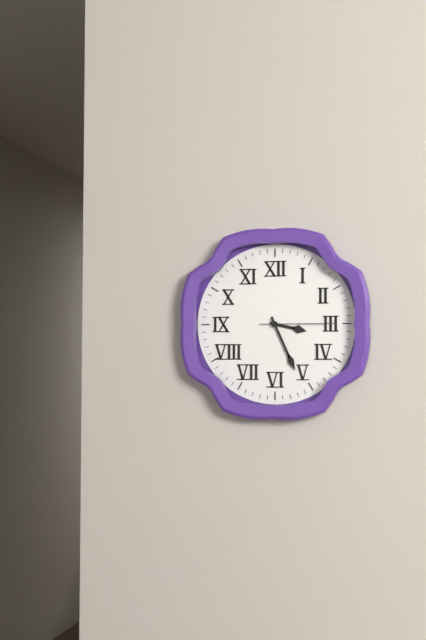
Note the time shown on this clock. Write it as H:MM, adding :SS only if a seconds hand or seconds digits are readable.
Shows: 3:26:15
